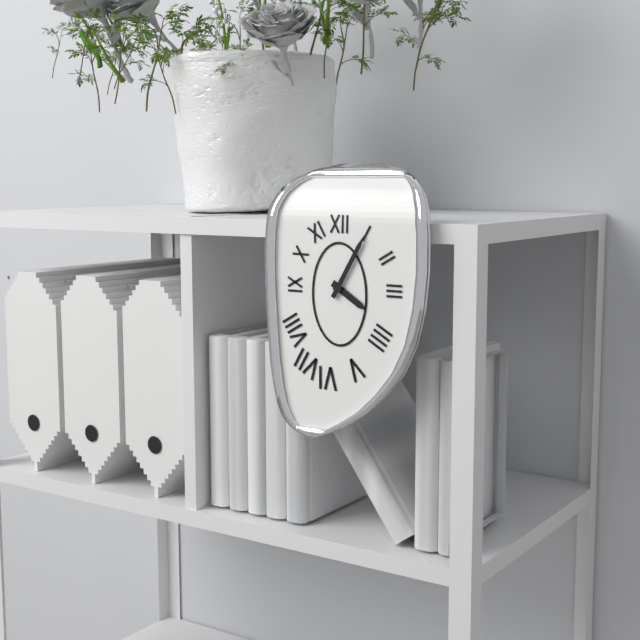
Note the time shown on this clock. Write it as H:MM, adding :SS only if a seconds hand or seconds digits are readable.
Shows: 4:05
